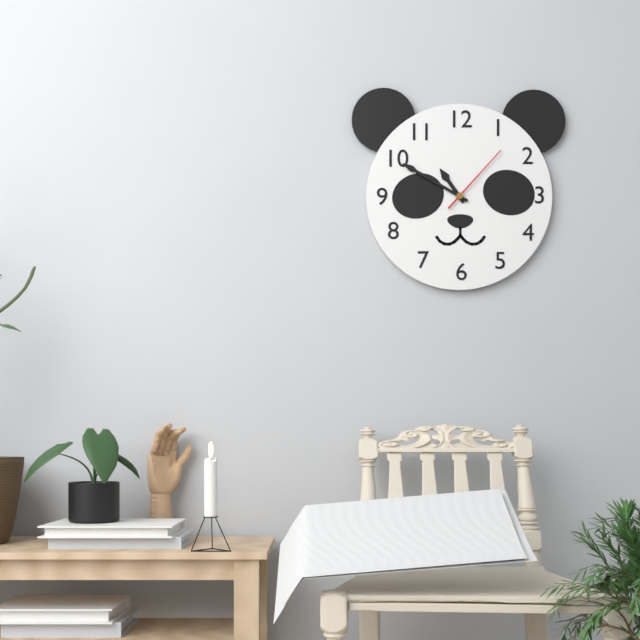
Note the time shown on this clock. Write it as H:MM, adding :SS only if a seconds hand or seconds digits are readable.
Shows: 10:50:07
